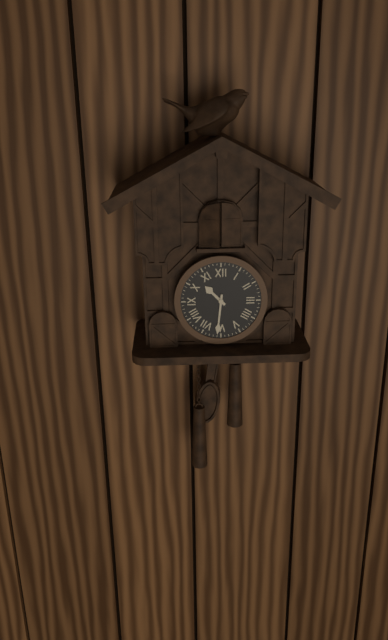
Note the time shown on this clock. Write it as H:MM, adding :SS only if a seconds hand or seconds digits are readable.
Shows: 10:31
